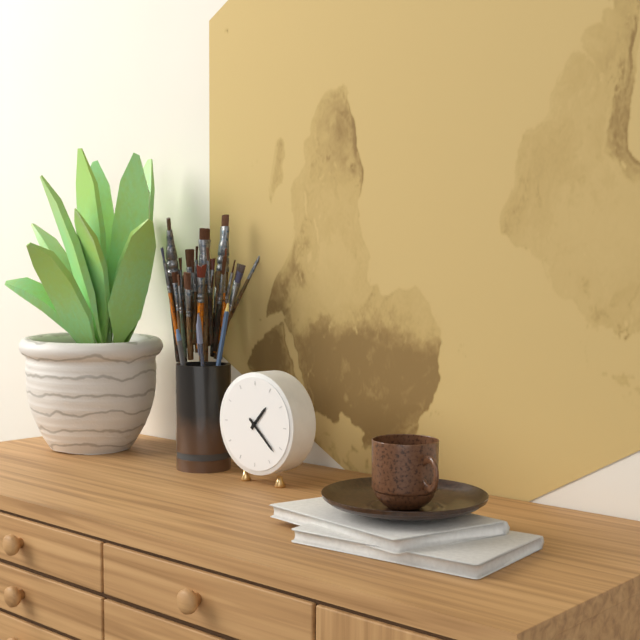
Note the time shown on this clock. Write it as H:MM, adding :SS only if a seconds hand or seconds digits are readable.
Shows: 1:22
